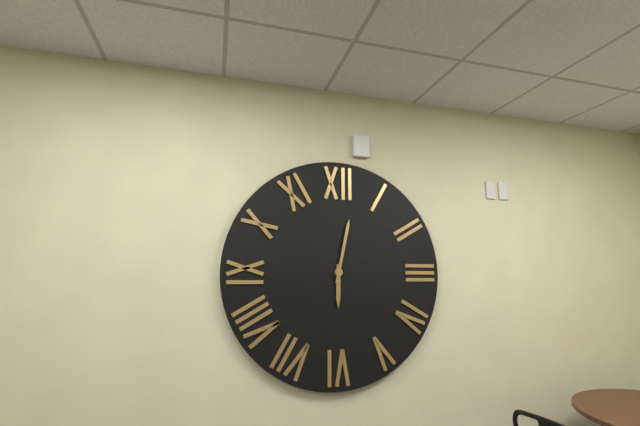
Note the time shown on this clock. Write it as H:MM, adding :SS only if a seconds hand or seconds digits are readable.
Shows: 6:02
